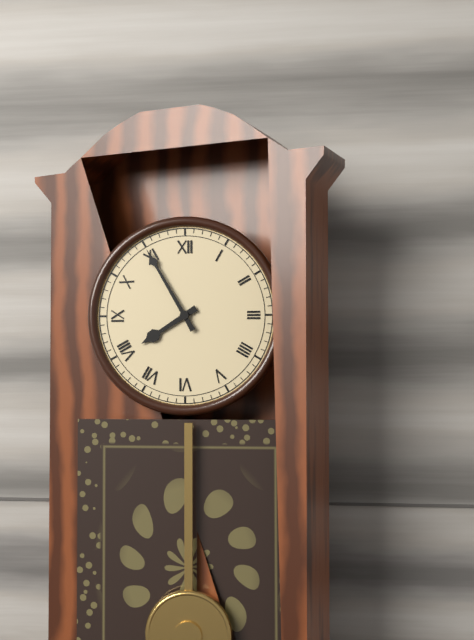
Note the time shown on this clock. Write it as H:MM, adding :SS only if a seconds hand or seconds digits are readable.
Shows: 7:55
